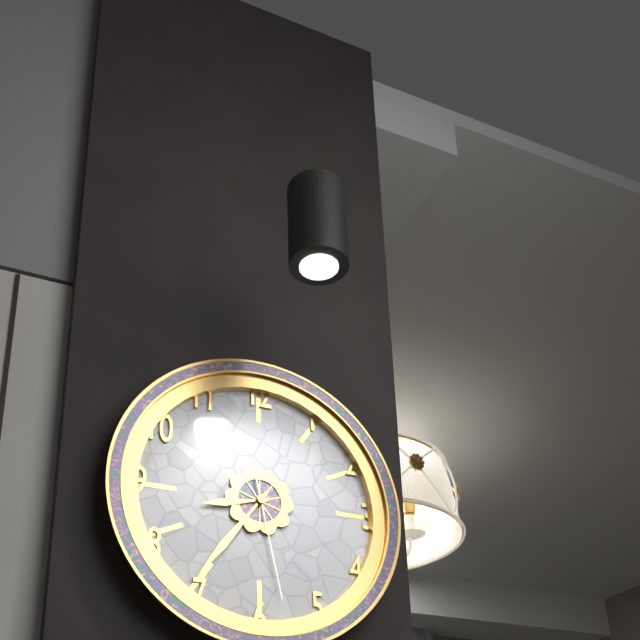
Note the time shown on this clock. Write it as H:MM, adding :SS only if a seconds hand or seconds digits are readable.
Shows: 8:36:28
